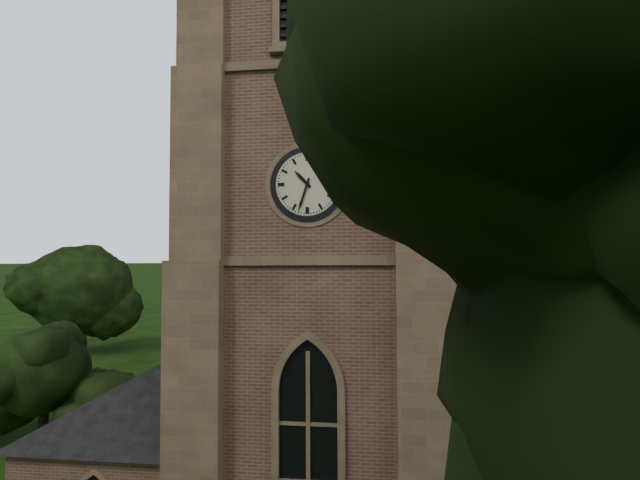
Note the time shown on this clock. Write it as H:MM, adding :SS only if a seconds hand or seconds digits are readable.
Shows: 10:33
